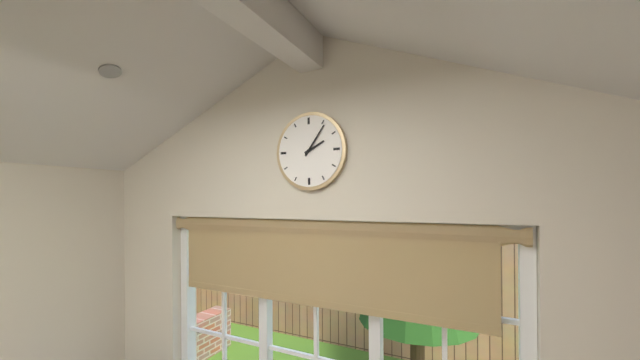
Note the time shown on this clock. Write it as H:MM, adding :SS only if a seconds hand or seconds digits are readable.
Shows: 2:06
